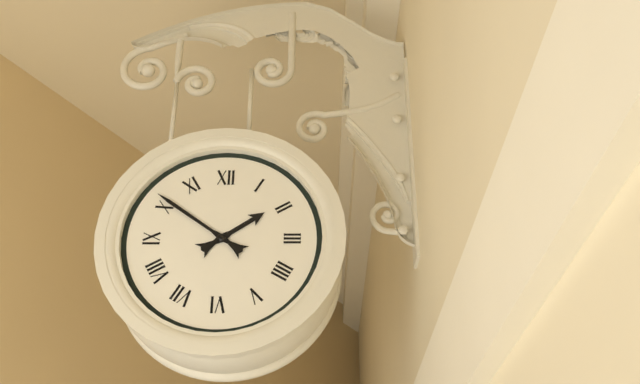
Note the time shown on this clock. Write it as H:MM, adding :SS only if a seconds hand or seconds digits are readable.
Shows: 1:51
